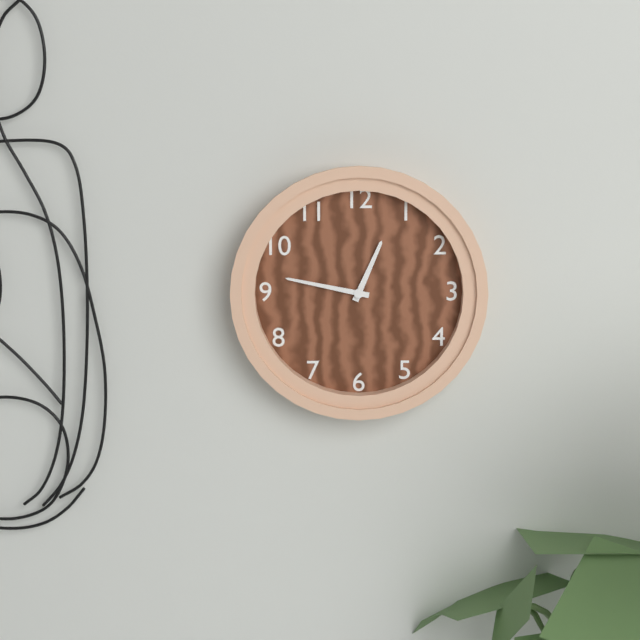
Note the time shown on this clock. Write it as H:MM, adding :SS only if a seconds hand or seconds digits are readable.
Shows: 12:47
